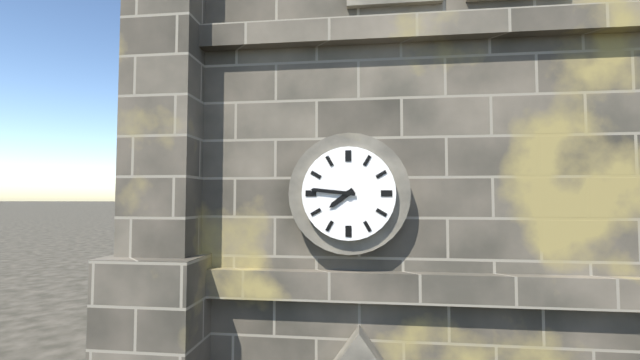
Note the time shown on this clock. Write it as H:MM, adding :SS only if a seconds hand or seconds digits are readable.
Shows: 7:46
